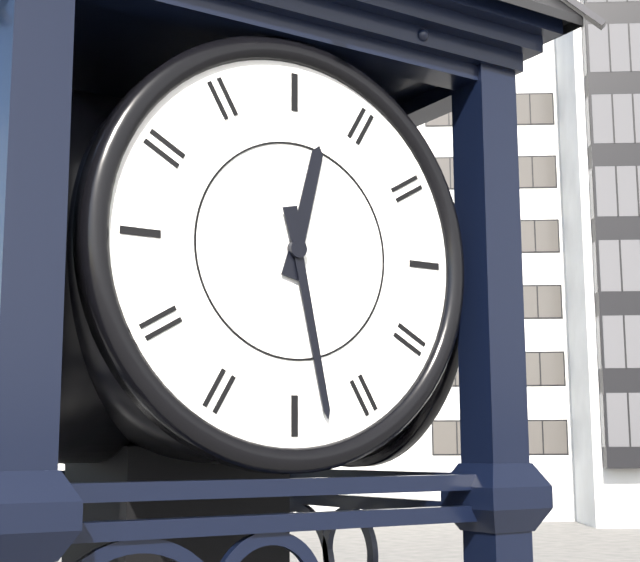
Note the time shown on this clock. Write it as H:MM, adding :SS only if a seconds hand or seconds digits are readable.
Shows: 12:28
